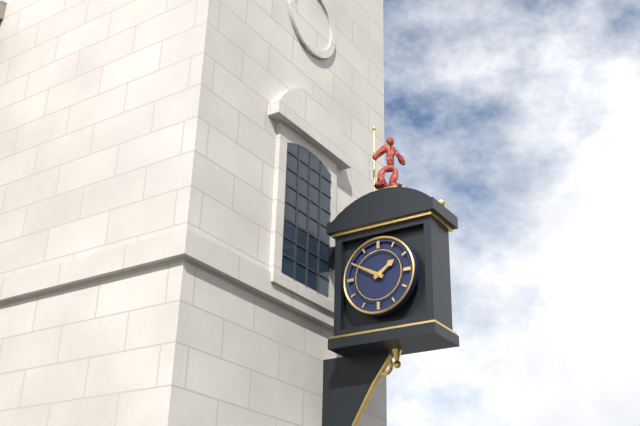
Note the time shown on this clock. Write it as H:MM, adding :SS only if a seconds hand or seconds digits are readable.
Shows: 1:50
